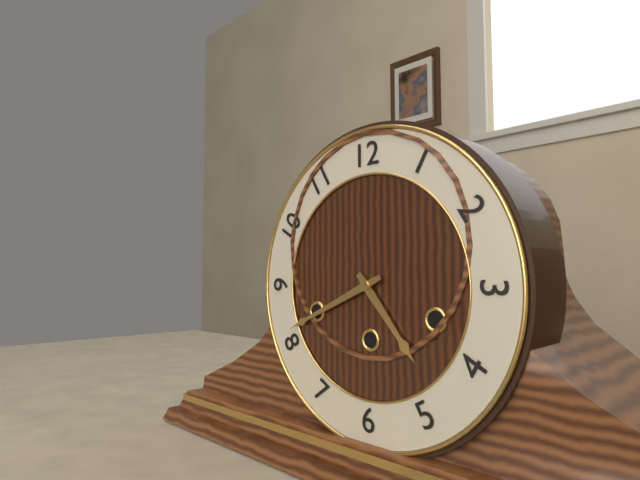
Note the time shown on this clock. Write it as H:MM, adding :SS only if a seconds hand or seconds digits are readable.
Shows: 4:41
